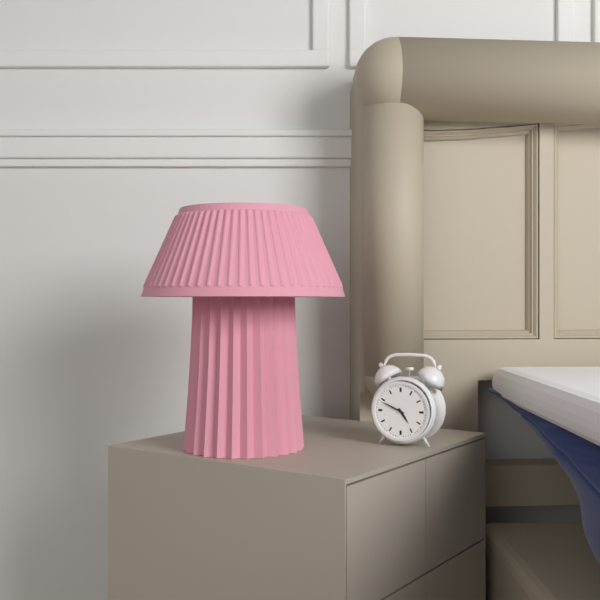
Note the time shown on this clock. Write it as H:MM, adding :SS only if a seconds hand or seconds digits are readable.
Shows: 4:49
